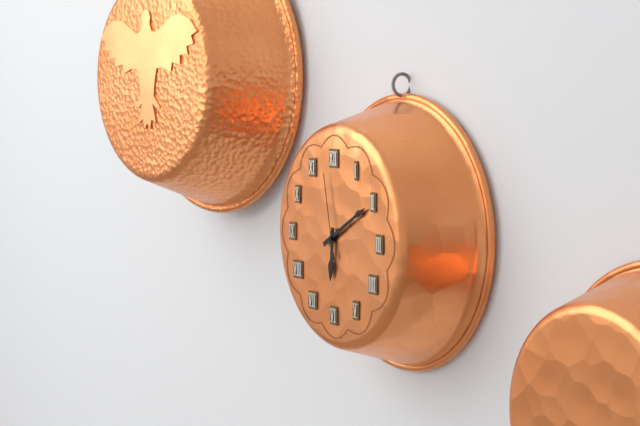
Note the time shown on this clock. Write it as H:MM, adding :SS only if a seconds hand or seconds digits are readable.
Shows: 6:10:58
